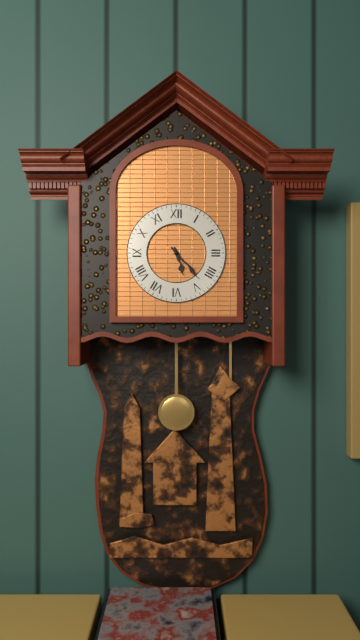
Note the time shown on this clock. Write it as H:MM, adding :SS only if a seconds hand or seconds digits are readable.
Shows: 5:23
